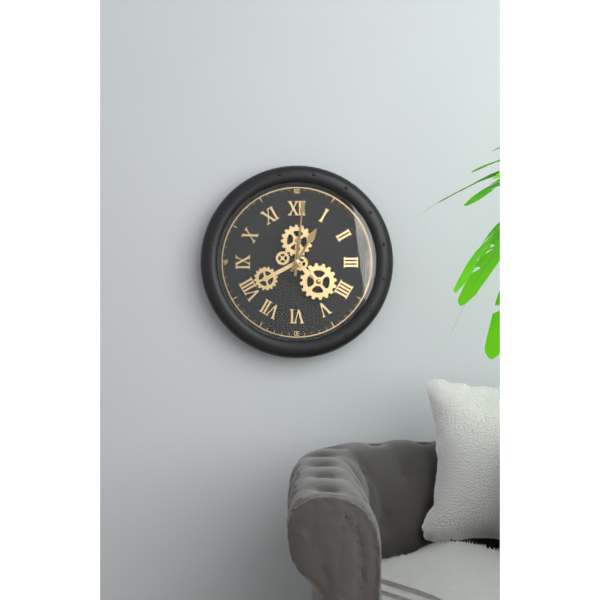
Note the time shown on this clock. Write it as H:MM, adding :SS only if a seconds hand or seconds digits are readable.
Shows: 1:01
